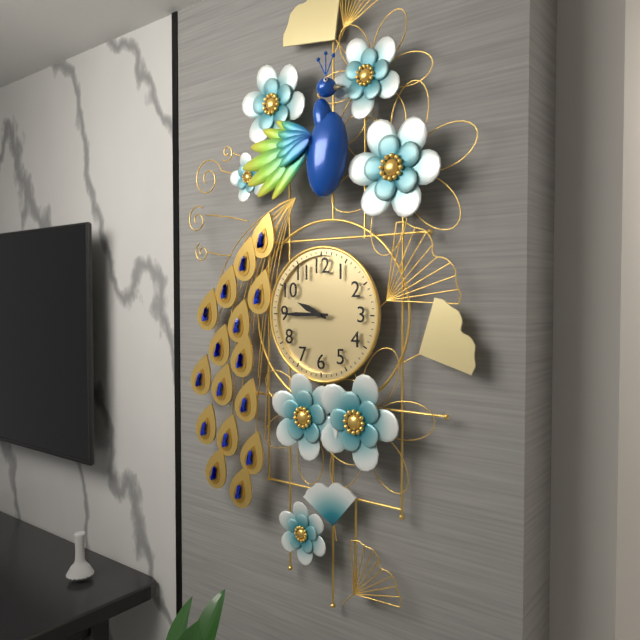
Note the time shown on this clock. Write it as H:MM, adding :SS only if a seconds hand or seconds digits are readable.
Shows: 9:45
